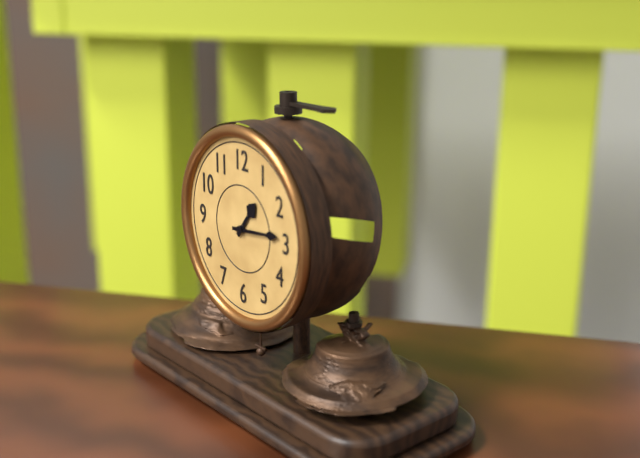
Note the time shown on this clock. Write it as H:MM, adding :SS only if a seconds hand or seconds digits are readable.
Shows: 1:14
